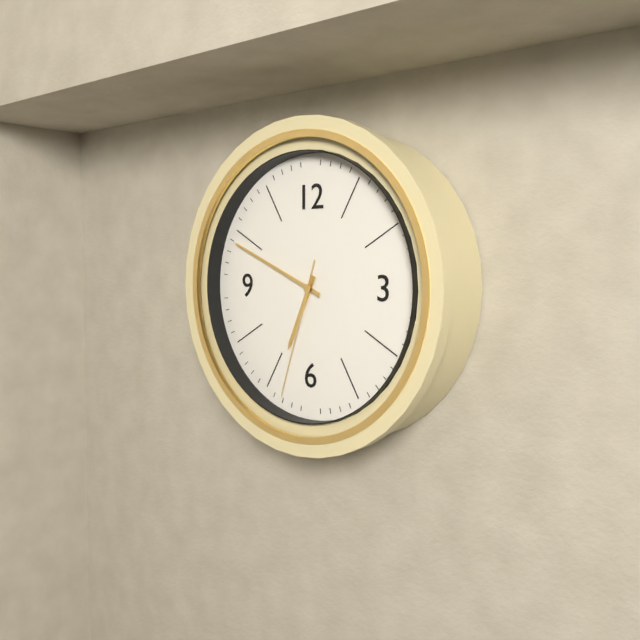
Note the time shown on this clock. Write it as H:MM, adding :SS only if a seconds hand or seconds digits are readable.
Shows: 6:49:33
